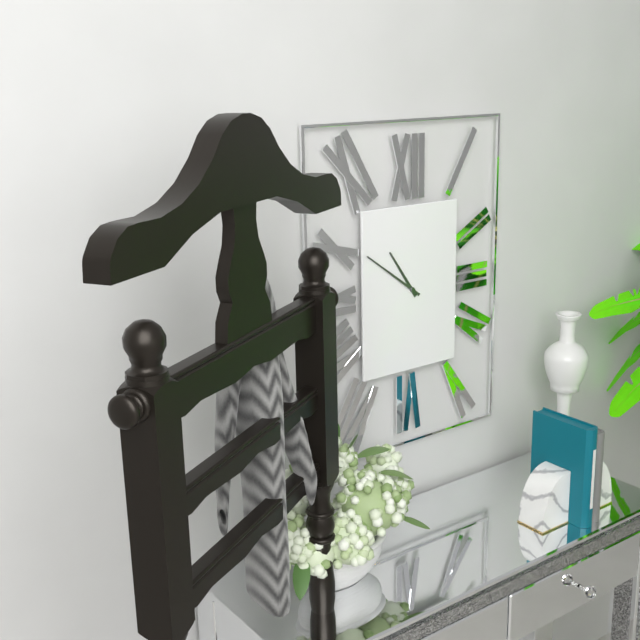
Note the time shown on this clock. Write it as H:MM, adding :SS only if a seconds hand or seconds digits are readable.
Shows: 10:51
